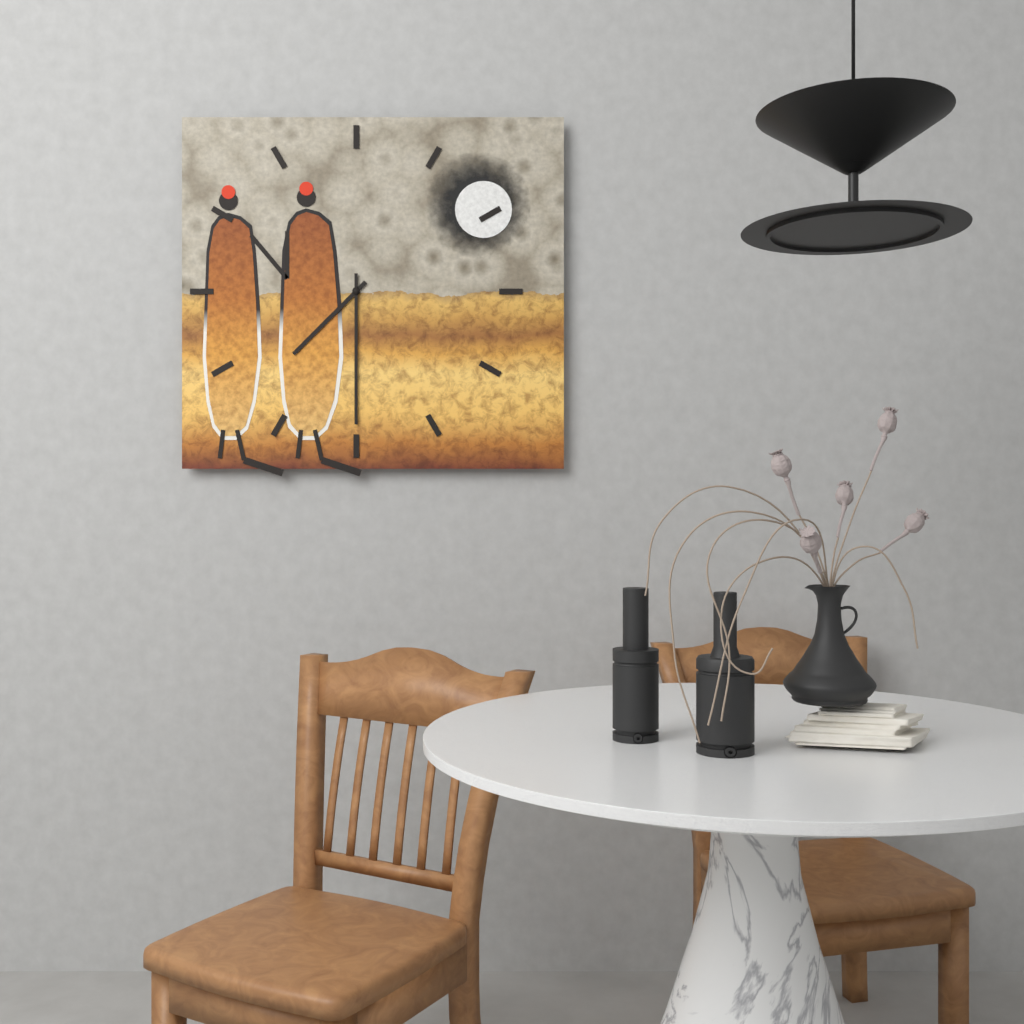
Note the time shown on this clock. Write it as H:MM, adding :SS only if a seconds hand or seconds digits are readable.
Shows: 7:30
